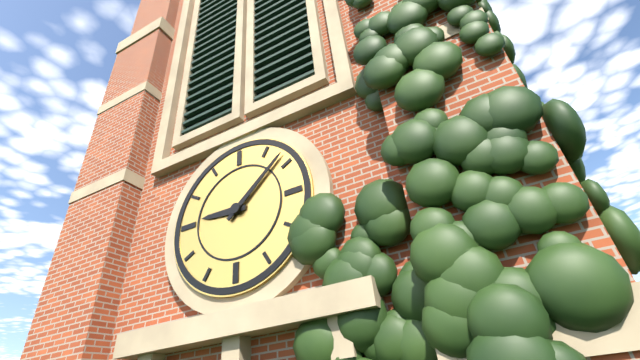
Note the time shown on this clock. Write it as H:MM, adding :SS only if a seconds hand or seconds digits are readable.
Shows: 9:08
